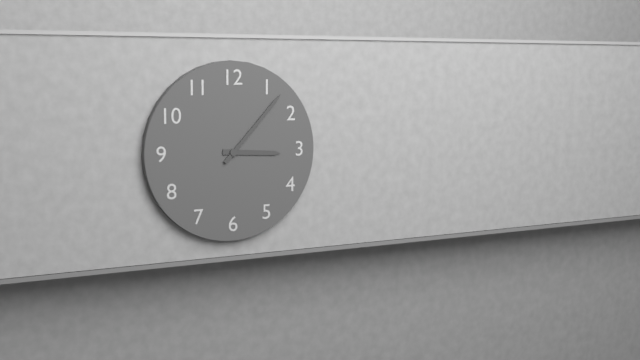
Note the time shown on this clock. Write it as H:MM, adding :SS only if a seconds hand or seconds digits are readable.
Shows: 3:07
